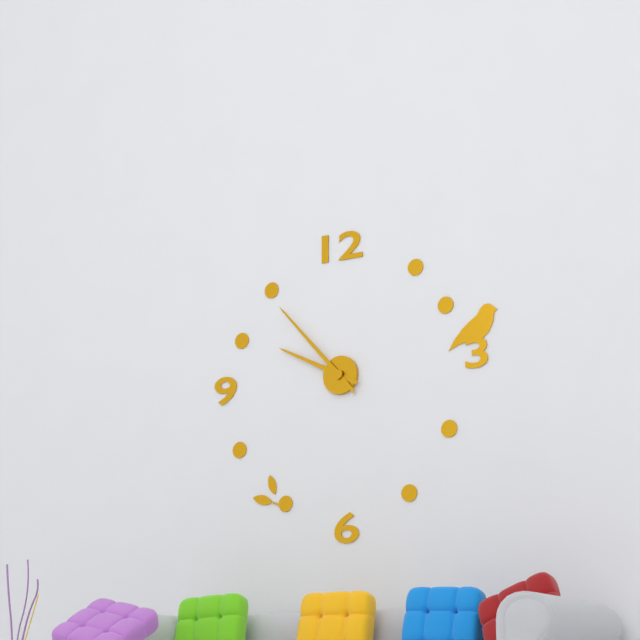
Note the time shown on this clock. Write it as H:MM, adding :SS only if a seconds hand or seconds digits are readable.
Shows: 9:53
